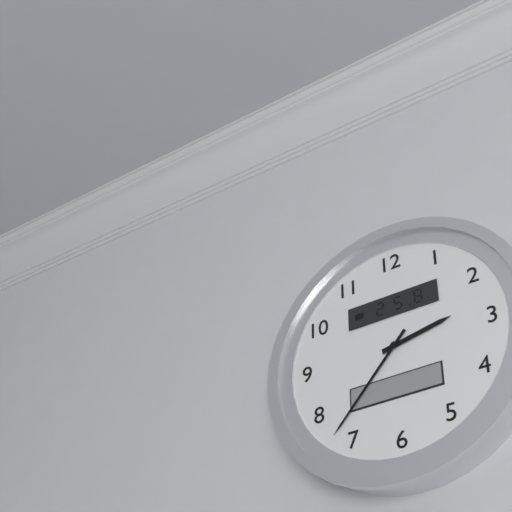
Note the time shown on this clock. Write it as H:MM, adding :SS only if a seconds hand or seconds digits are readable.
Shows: 2:37
